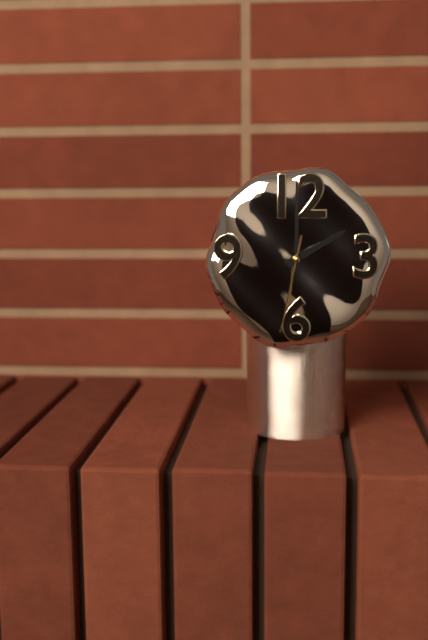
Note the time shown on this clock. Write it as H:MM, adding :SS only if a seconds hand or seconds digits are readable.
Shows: 2:00:32
